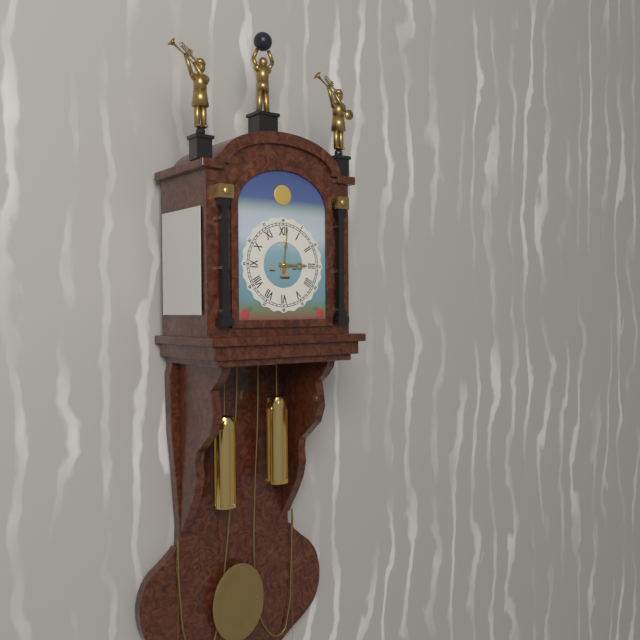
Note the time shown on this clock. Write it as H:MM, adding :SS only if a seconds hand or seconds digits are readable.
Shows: 3:01
